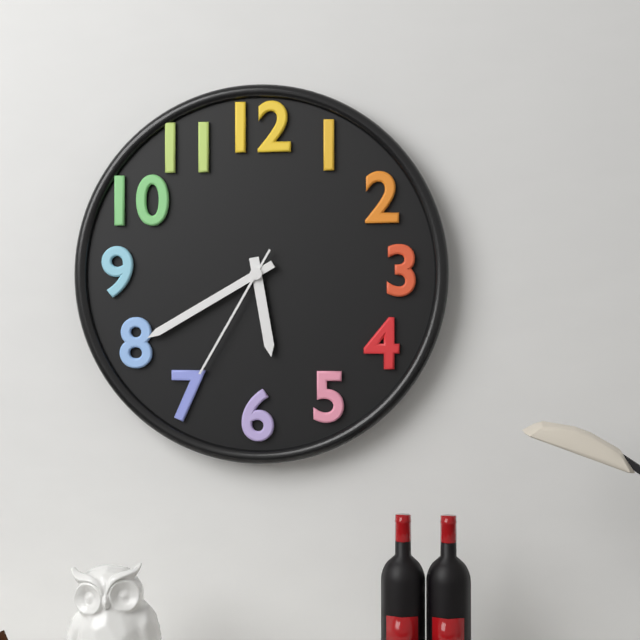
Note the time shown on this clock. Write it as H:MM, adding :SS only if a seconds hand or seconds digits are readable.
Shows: 5:40:35
